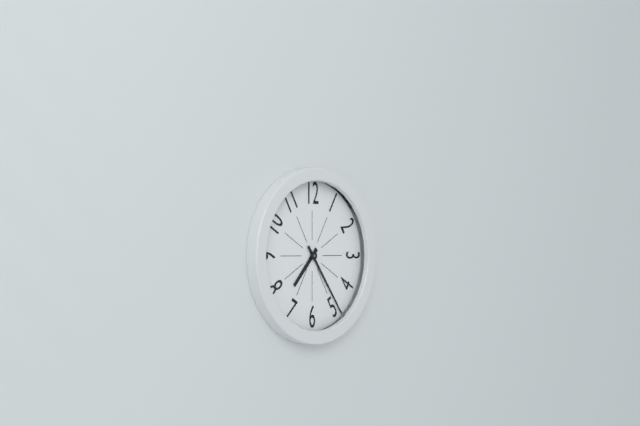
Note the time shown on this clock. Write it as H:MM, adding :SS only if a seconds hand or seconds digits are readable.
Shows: 7:24
